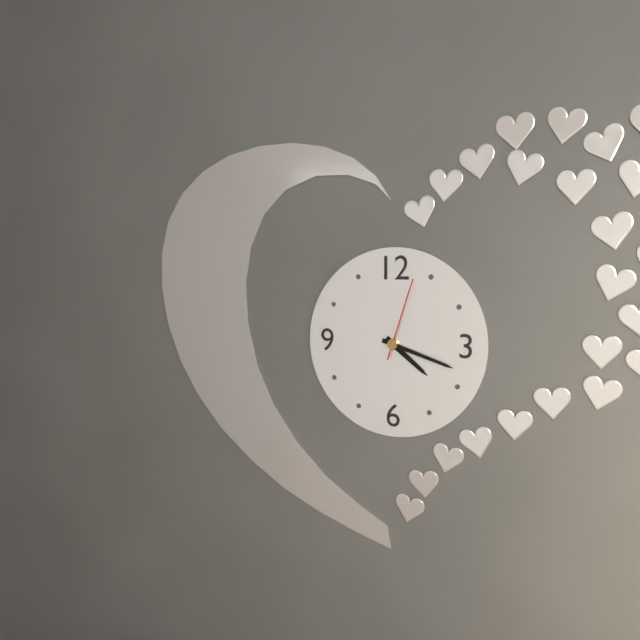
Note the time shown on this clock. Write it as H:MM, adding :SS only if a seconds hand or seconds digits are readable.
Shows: 4:18:03
